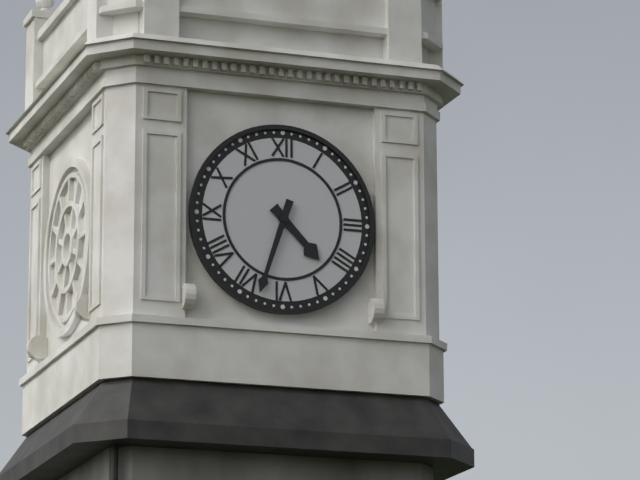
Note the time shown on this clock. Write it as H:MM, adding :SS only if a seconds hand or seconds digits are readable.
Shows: 4:33
